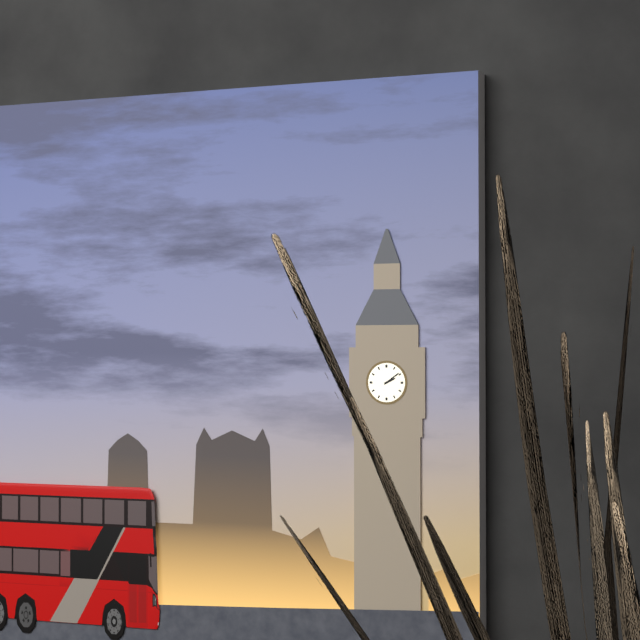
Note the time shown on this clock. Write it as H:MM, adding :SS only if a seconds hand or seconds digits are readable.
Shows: 2:09
